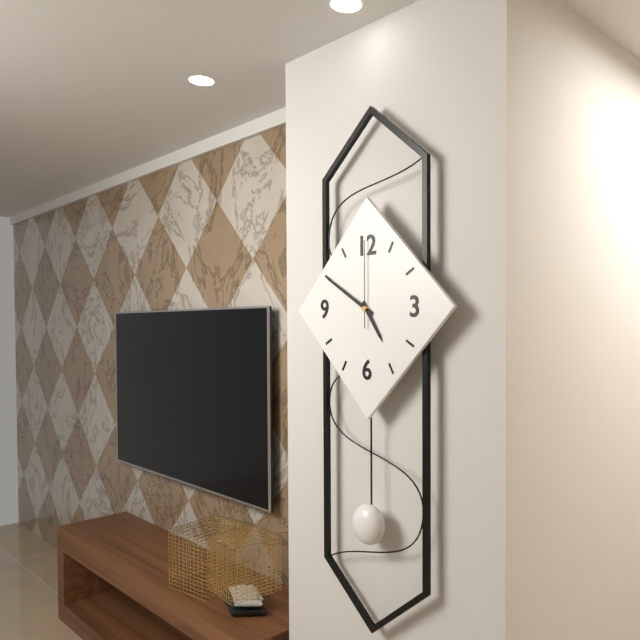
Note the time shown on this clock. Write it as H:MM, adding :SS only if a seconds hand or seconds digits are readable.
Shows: 4:50:00
